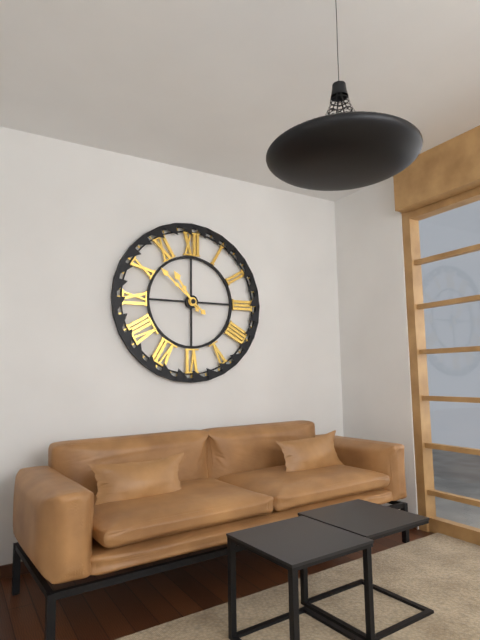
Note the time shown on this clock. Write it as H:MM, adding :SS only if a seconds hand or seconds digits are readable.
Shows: 10:52
